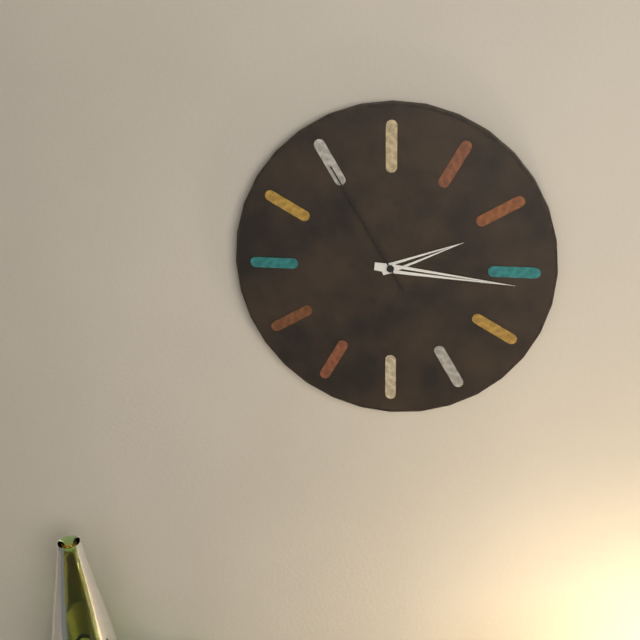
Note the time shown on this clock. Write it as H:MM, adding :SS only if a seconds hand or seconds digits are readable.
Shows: 2:16:55
